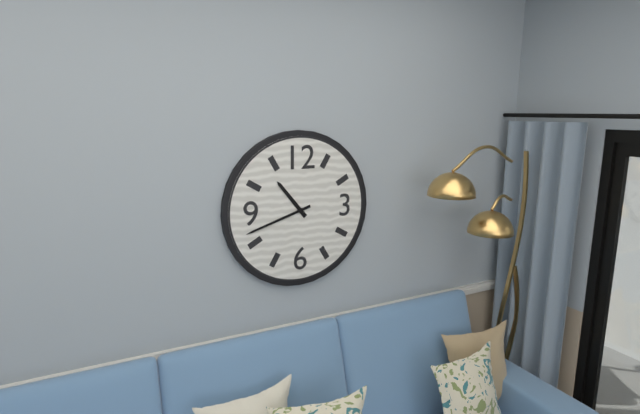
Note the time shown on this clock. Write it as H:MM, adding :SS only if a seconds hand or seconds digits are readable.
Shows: 10:42
